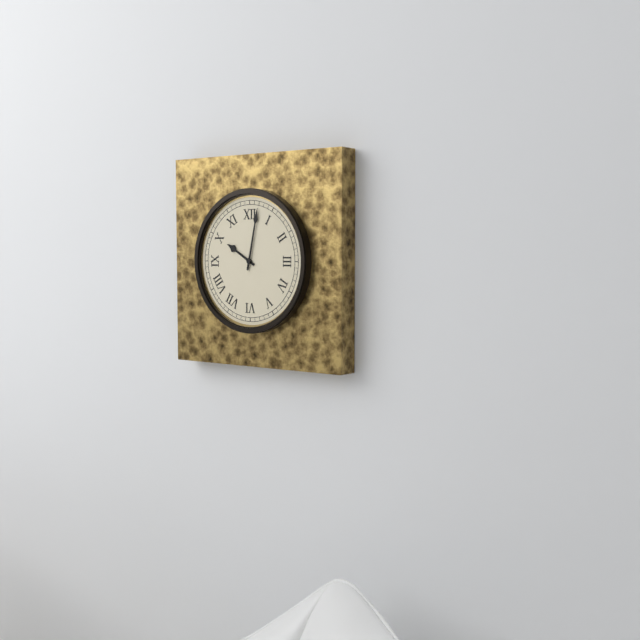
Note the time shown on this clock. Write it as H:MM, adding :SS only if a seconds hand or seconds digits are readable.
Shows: 10:02
